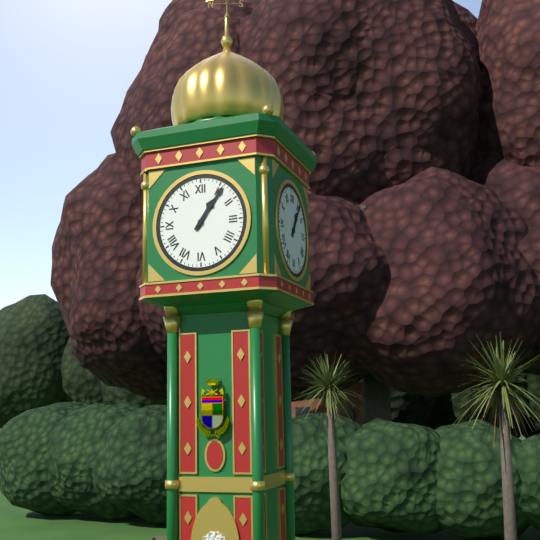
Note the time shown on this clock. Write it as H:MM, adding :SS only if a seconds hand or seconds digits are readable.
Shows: 1:06
